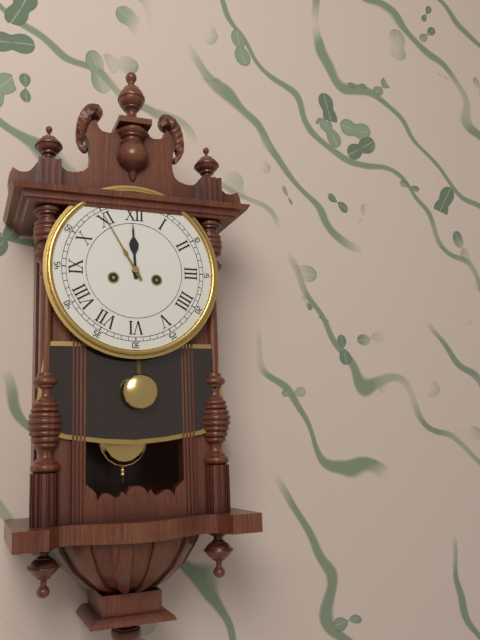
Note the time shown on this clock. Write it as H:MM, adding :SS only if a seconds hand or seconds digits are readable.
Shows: 11:55
